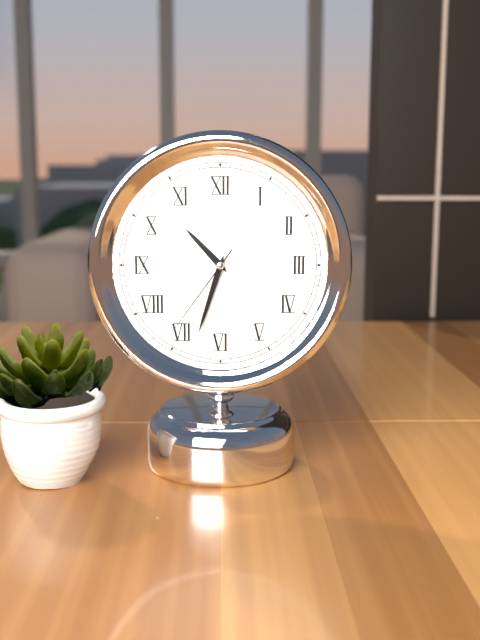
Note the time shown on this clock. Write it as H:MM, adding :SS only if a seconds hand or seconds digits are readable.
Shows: 10:33:36
